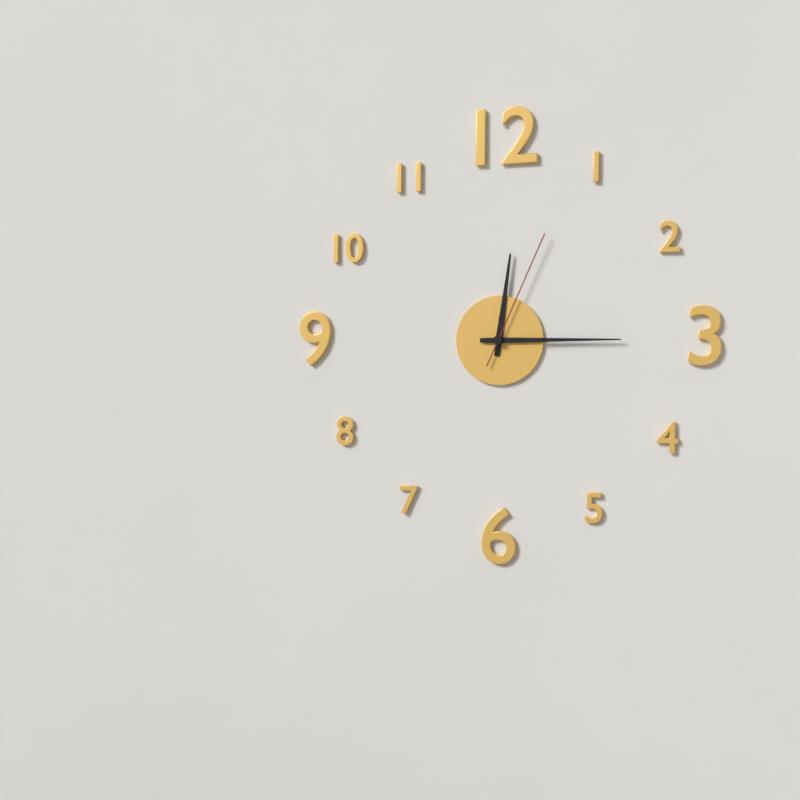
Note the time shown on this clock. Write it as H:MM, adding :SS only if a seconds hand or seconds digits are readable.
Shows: 12:15:04
